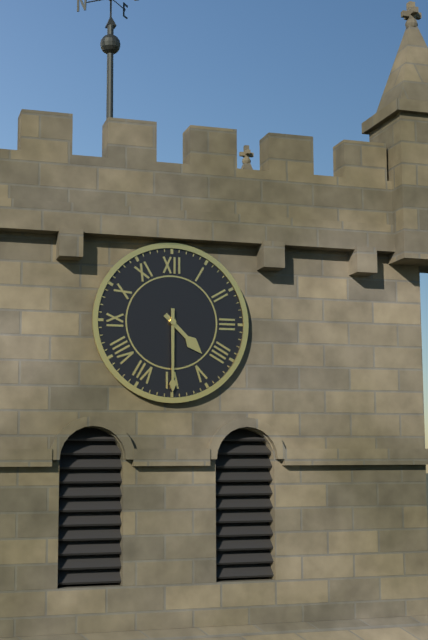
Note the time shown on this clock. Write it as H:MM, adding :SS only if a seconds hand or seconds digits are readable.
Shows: 4:30
